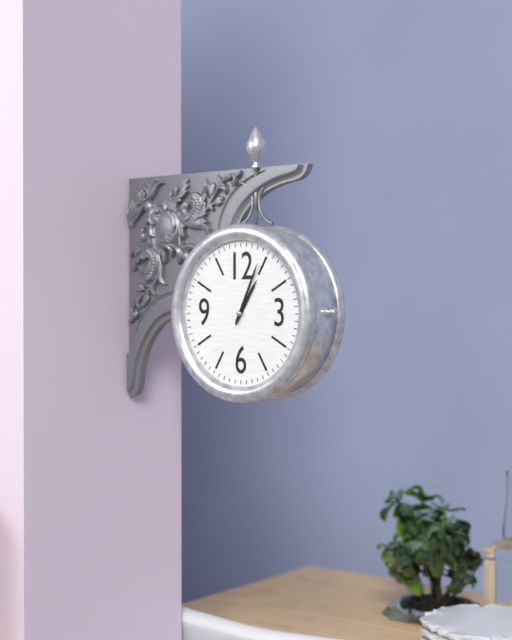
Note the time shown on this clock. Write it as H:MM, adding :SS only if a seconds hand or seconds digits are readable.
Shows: 1:04
